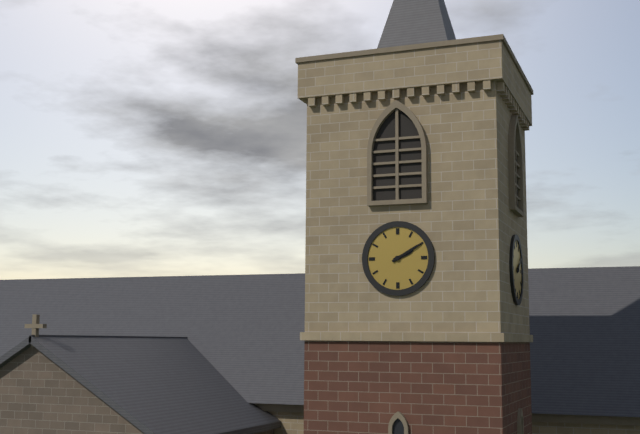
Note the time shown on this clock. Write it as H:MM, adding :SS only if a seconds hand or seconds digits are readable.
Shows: 2:10
